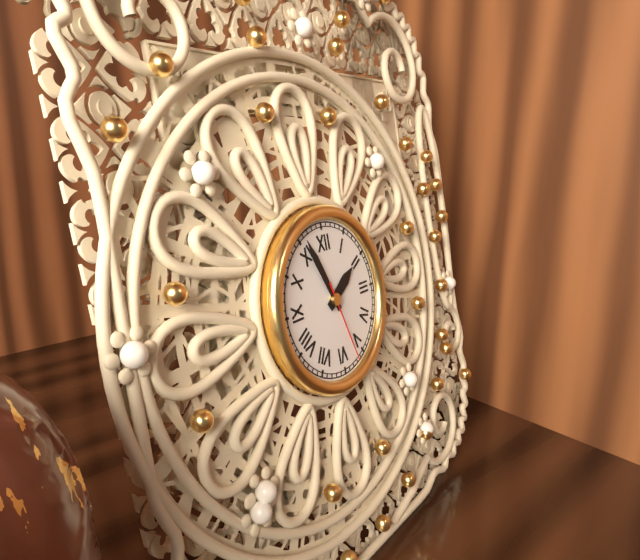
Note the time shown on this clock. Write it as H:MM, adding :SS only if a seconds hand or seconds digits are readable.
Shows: 1:56:27
